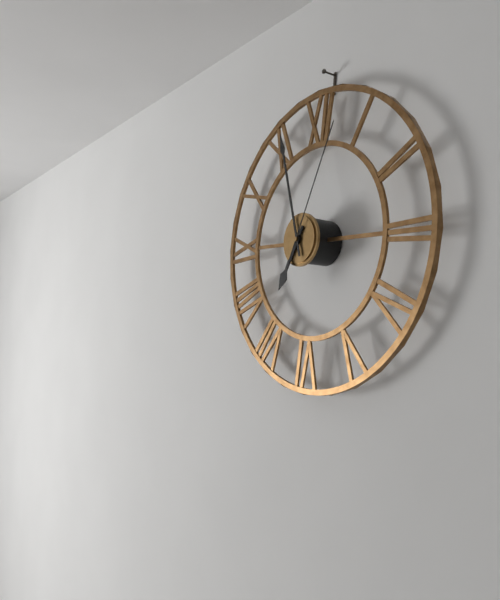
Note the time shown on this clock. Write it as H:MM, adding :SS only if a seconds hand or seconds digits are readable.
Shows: 6:57:04
